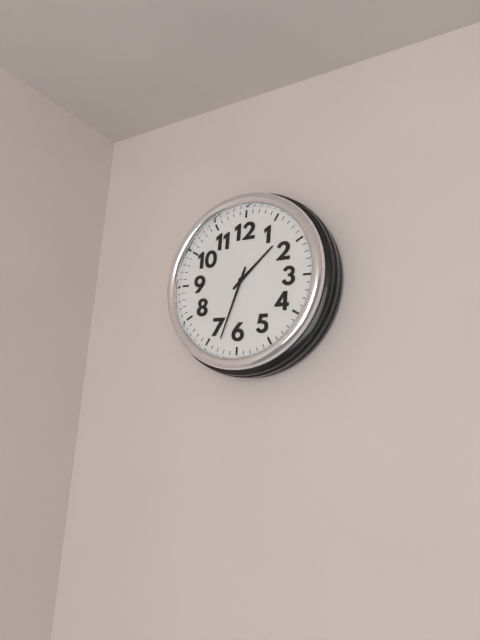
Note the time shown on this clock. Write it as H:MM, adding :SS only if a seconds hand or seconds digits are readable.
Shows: 1:33
